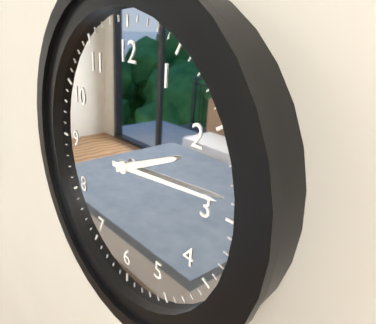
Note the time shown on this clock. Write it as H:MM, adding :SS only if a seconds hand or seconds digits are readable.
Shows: 2:14
